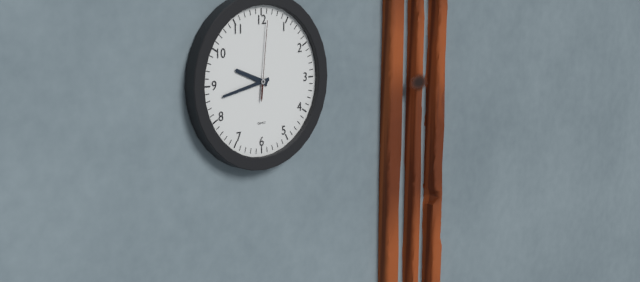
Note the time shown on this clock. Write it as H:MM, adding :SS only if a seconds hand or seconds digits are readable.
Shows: 9:43:01
